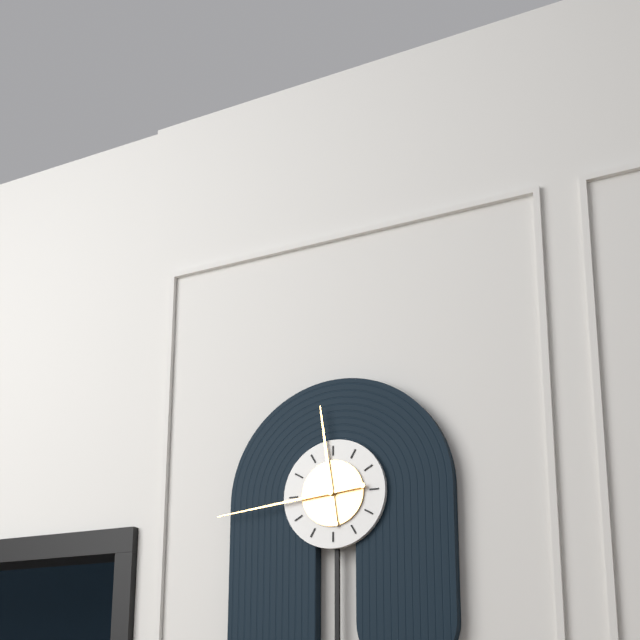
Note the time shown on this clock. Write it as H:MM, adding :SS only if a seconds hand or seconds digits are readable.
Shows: 11:44
